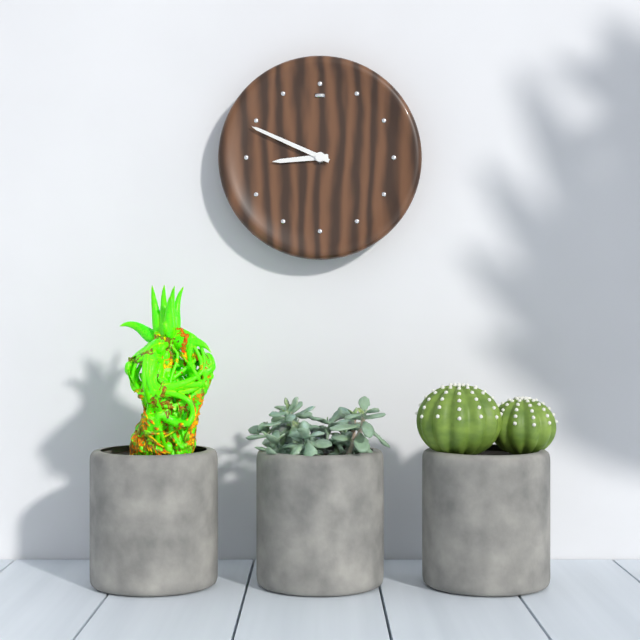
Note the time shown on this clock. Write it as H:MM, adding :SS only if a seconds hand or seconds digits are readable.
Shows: 8:49
